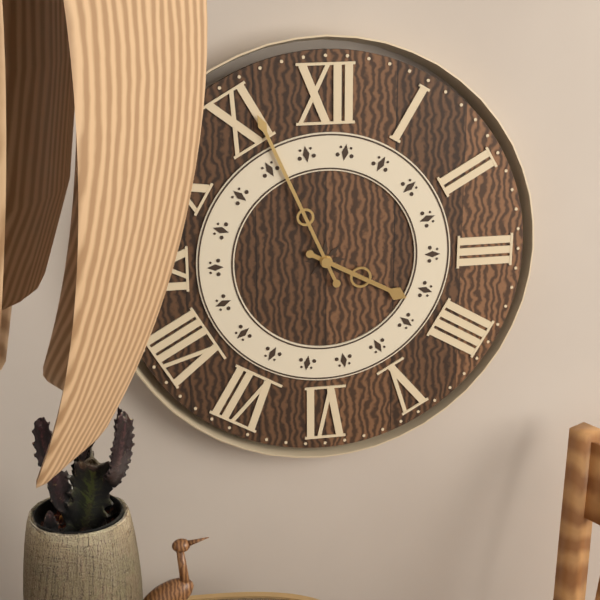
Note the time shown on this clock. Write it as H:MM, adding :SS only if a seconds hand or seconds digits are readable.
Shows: 3:56
